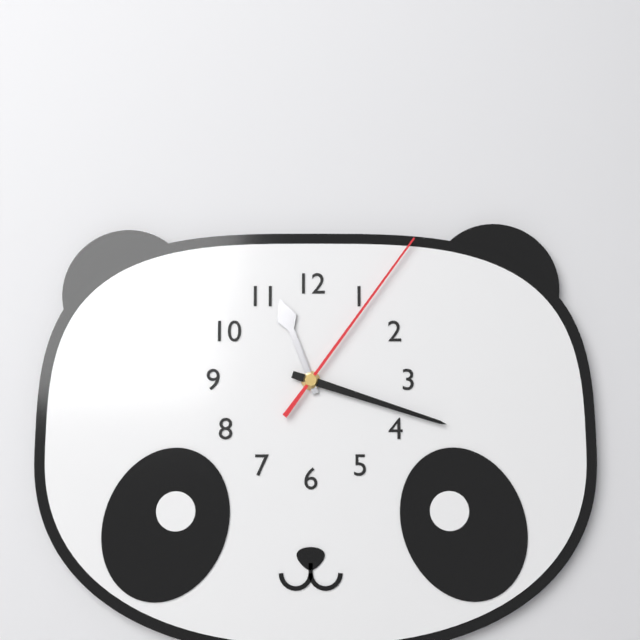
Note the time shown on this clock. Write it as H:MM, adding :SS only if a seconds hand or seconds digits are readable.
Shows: 11:18:06
